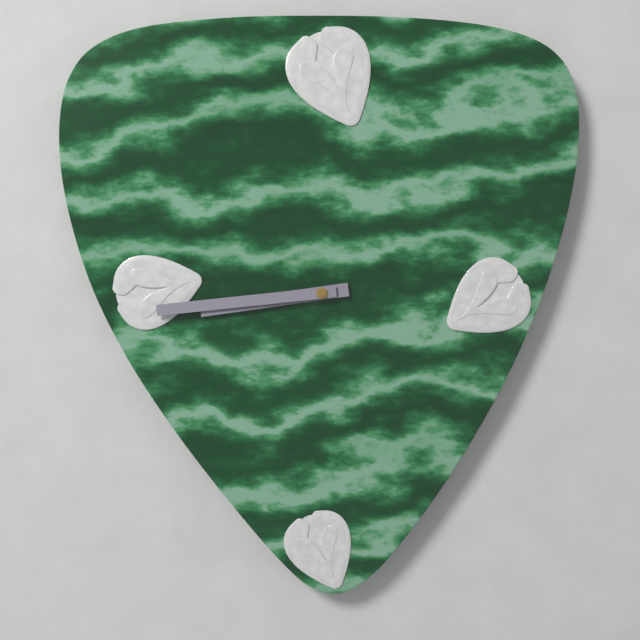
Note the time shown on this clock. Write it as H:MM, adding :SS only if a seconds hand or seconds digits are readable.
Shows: 8:44
